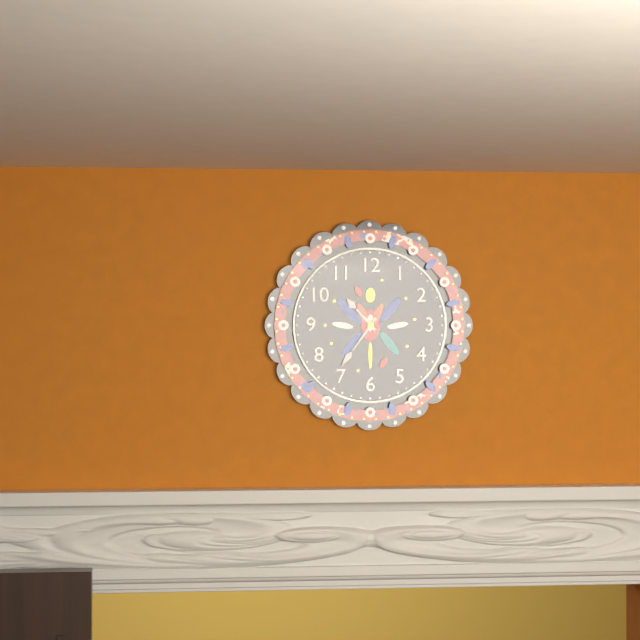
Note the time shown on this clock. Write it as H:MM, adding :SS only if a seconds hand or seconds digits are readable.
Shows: 10:36
